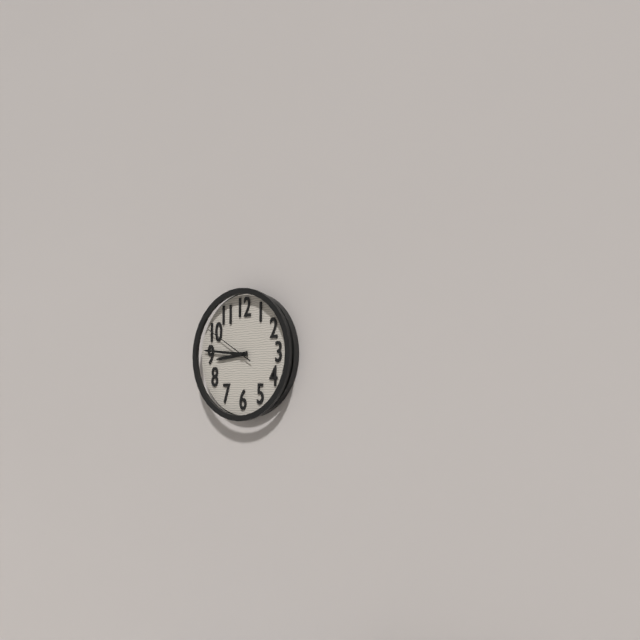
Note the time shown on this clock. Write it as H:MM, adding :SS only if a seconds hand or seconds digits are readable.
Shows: 8:46:50
